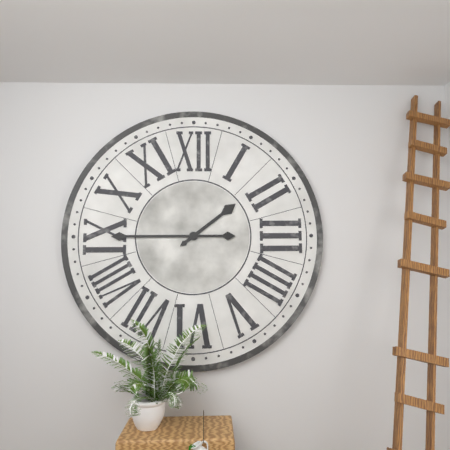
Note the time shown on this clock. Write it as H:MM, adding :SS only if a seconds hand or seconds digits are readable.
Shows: 1:45
